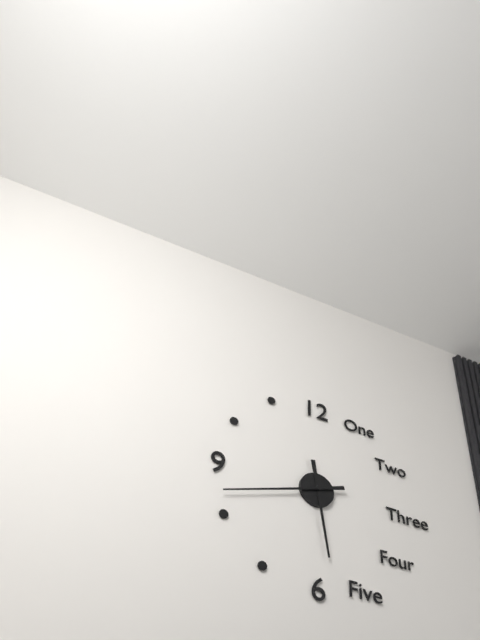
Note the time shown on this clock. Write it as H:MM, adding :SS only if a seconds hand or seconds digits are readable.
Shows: 5:42
